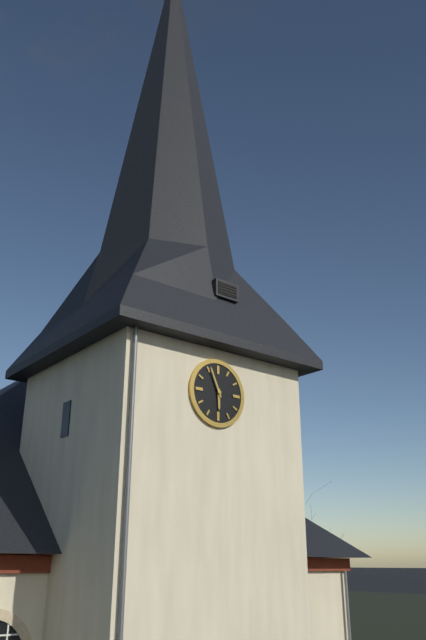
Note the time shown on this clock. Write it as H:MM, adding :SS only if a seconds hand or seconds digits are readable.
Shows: 5:56
